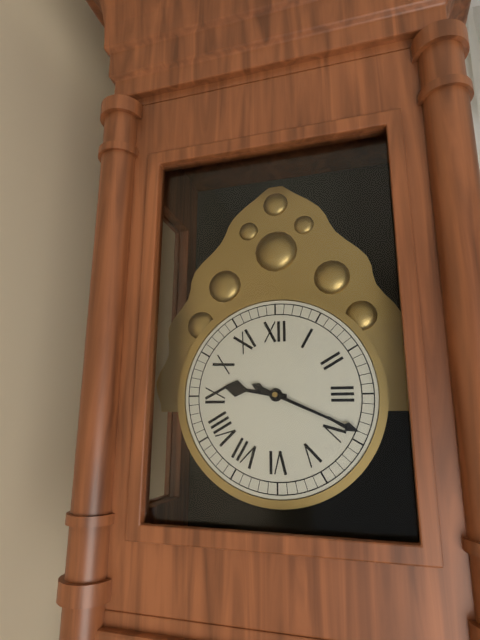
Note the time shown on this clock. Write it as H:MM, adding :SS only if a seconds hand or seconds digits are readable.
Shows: 9:19
